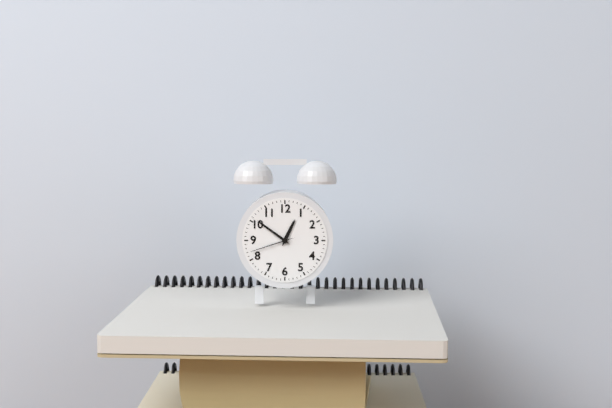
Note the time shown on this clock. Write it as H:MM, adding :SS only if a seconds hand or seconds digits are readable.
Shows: 12:51
